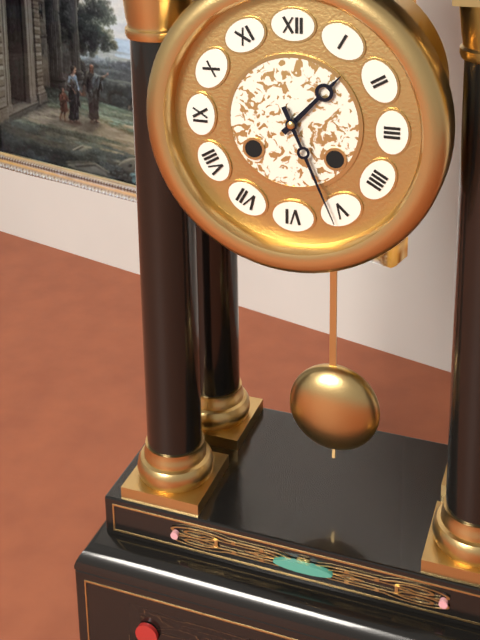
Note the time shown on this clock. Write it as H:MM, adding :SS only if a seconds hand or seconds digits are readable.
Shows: 1:26
